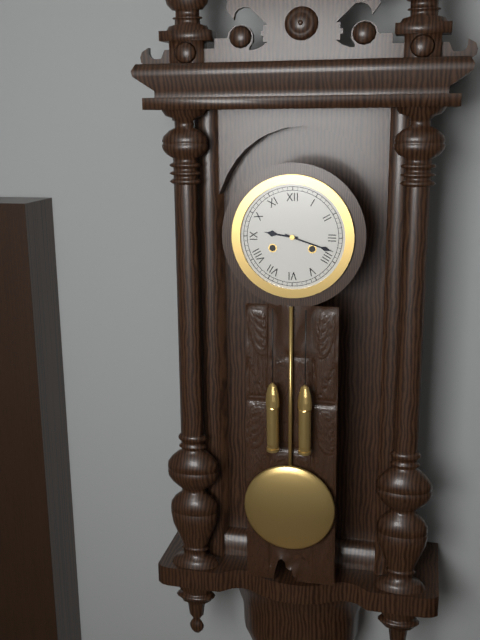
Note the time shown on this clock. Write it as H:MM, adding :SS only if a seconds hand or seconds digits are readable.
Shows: 9:18
